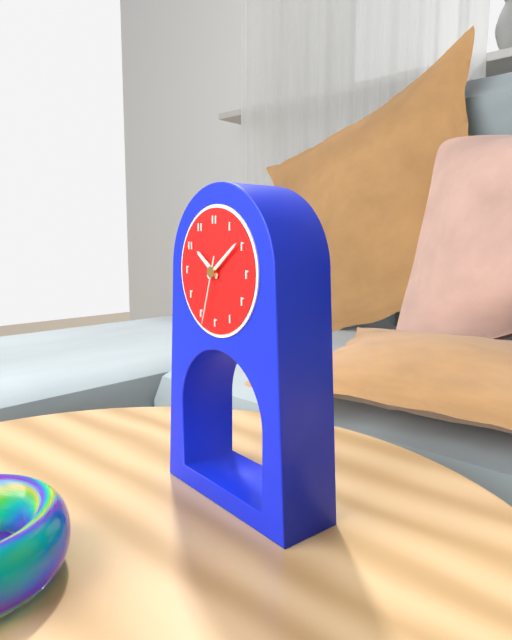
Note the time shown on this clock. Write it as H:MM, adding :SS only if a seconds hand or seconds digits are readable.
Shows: 10:09:33
